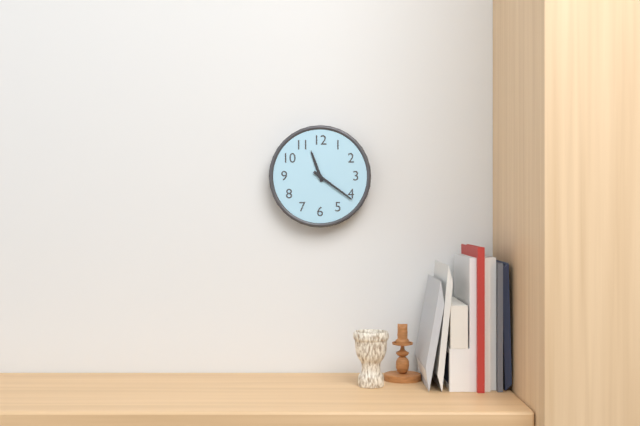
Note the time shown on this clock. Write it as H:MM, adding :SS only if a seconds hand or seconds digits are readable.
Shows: 11:21
